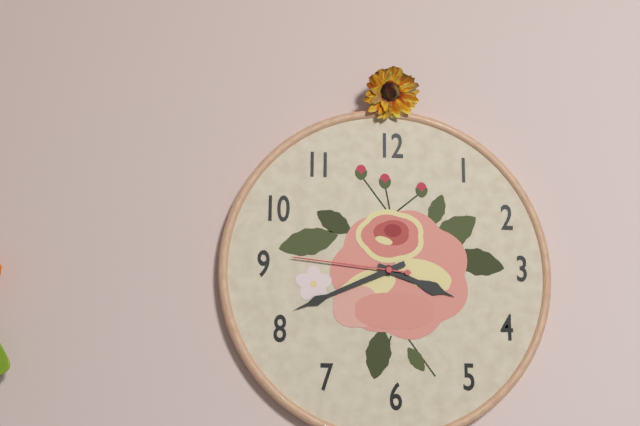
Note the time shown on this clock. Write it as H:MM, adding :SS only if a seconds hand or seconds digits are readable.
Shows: 3:41:46
